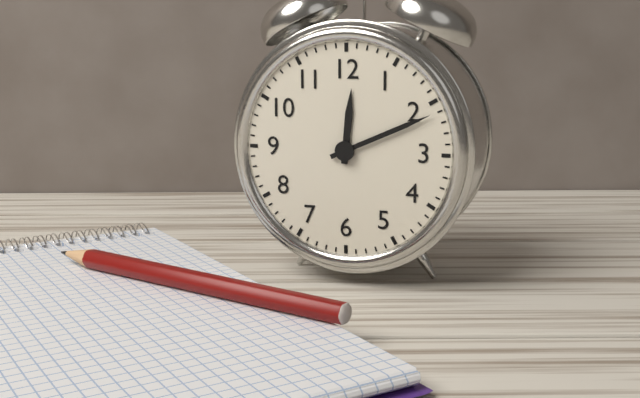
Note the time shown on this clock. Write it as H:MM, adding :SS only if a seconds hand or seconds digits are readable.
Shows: 12:11
